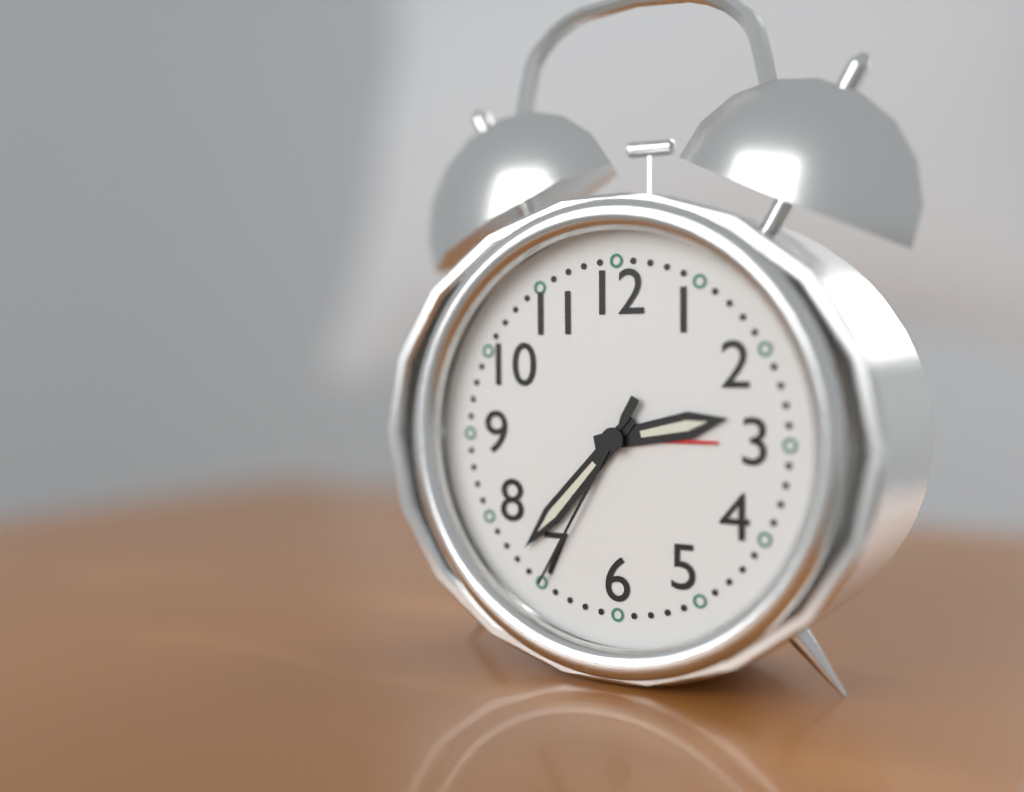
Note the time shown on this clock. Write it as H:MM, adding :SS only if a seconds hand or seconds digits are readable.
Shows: 2:37:35
